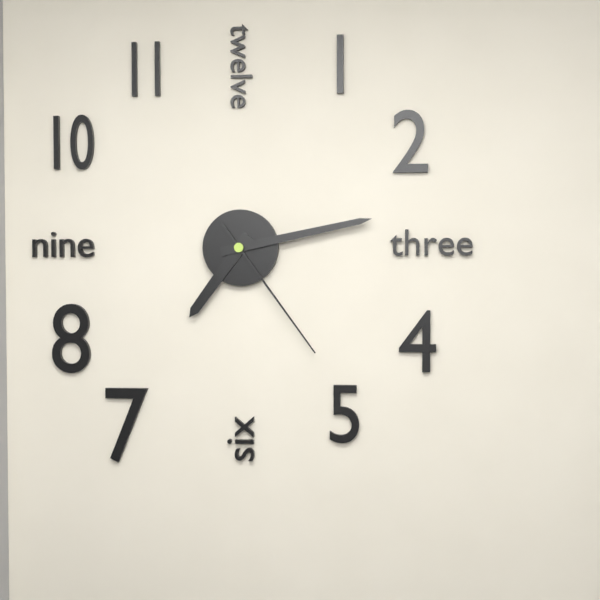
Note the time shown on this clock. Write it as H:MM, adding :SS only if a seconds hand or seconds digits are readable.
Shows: 7:13:24
